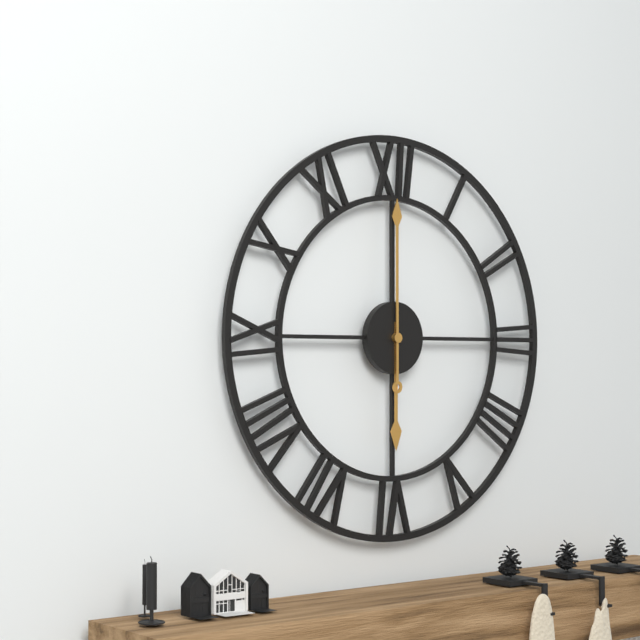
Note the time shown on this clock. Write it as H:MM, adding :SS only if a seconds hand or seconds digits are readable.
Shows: 6:00
